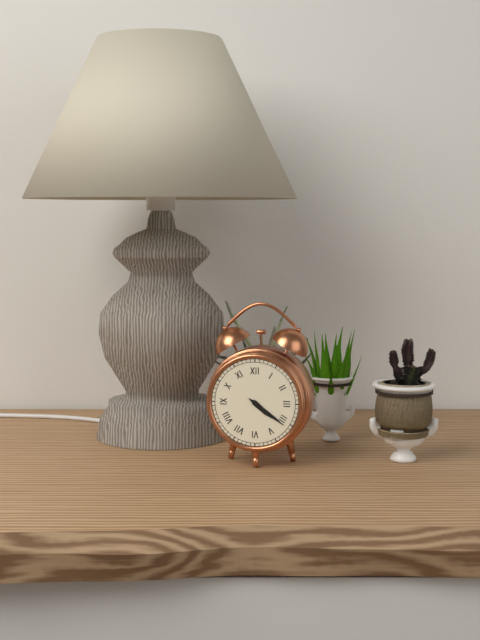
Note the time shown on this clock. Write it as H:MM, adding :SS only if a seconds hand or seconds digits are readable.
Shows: 4:21
